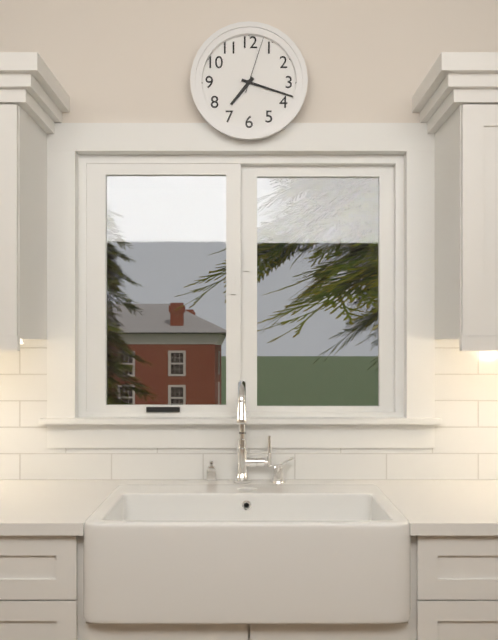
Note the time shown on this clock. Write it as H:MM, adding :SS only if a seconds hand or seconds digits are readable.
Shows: 7:18:03
